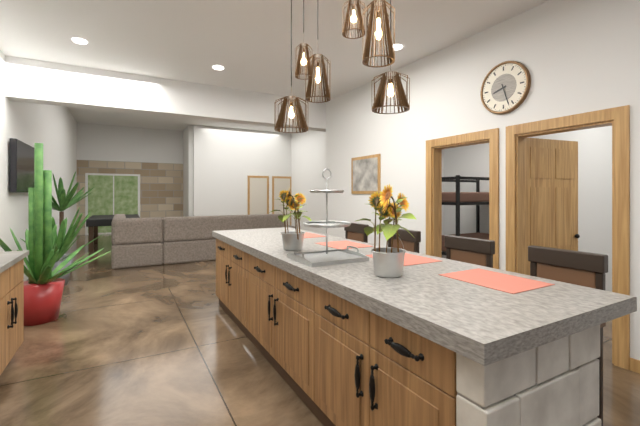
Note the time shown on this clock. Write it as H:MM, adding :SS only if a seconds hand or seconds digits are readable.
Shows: 8:27
